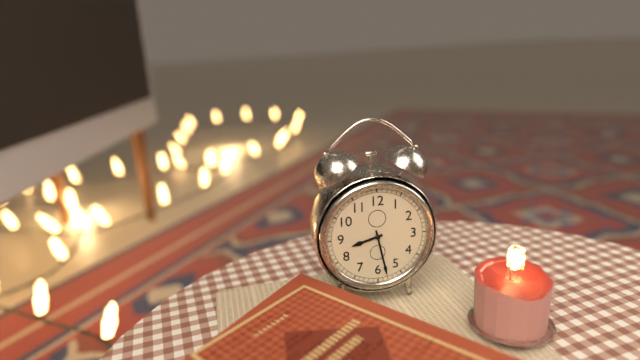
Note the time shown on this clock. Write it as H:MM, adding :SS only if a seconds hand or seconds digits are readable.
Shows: 8:28
